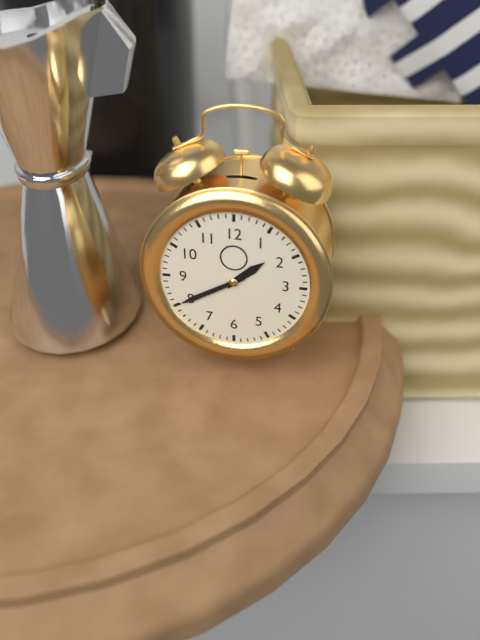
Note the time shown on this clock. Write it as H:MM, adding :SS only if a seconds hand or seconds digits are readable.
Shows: 1:40
